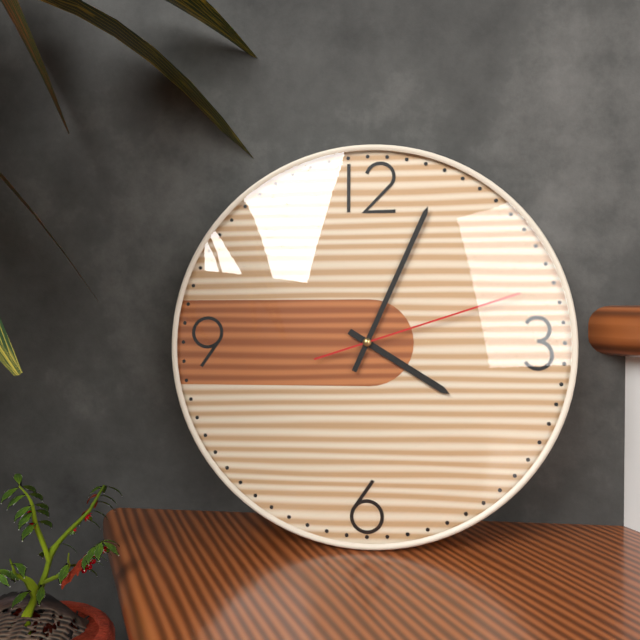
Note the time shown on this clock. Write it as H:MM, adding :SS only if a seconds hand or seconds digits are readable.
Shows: 4:04:12
